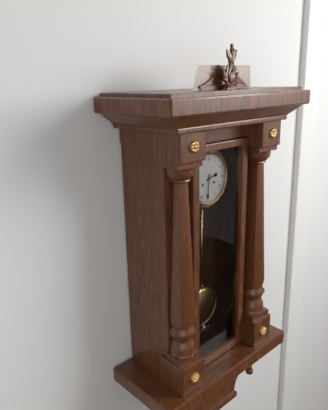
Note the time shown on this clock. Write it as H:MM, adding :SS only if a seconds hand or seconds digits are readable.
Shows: 2:31
